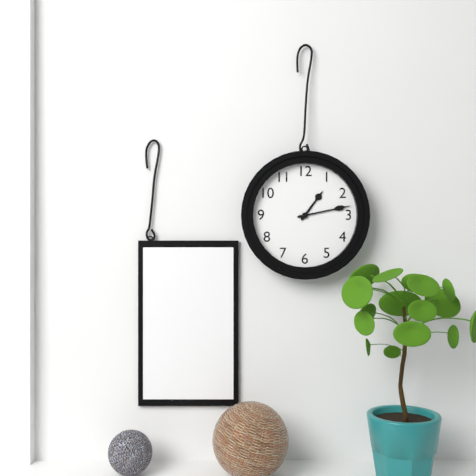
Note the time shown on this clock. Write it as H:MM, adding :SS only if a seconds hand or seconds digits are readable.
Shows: 1:13
